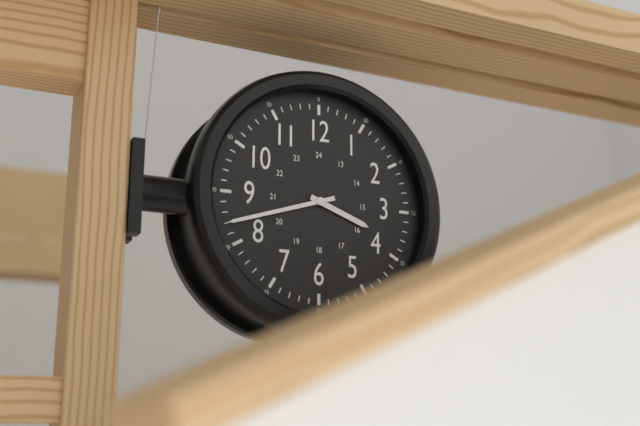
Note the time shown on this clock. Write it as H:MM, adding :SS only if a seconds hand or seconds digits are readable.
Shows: 3:42
